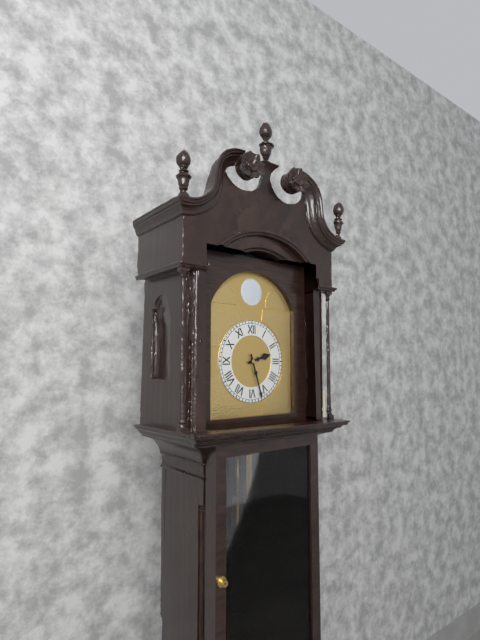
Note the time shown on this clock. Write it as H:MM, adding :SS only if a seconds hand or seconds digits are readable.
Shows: 2:27
